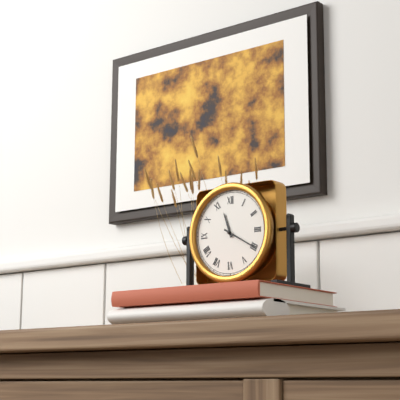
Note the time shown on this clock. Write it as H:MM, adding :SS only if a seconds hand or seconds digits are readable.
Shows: 11:20
